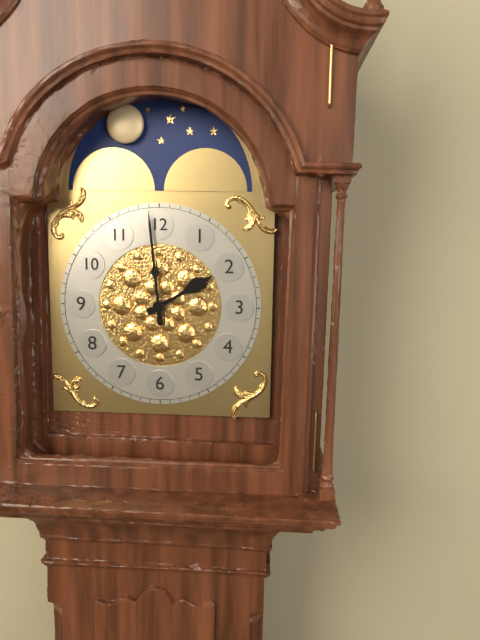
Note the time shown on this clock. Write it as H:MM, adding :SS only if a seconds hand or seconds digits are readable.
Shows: 1:59
